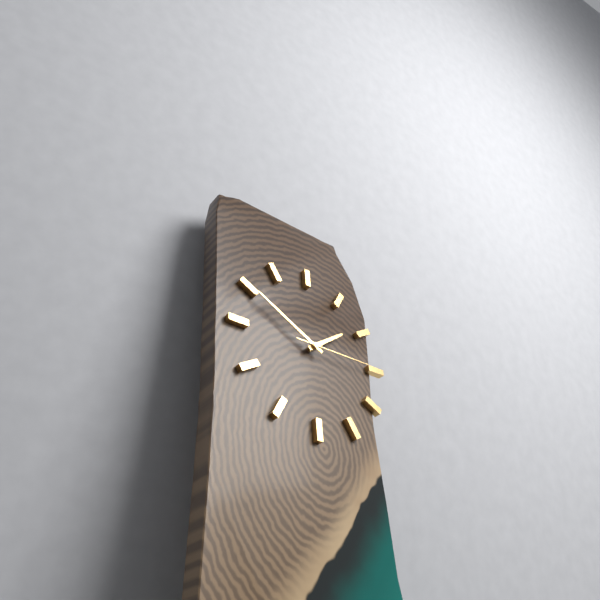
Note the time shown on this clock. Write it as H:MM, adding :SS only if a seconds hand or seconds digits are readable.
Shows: 1:50:15
